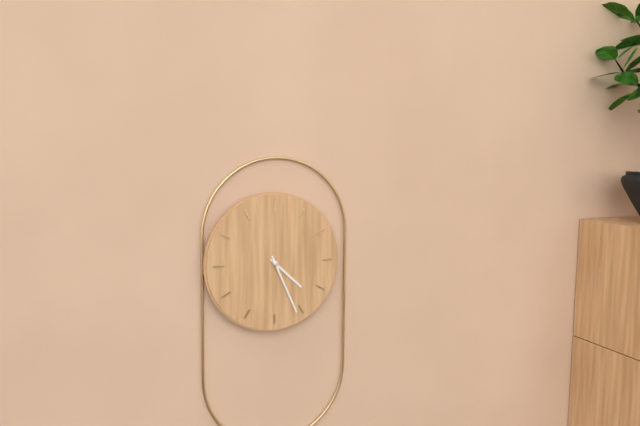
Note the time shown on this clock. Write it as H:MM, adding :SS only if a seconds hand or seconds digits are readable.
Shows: 4:26
